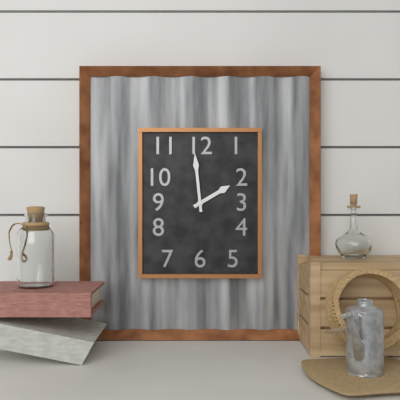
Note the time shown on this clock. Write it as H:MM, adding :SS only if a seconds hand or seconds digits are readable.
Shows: 1:59
